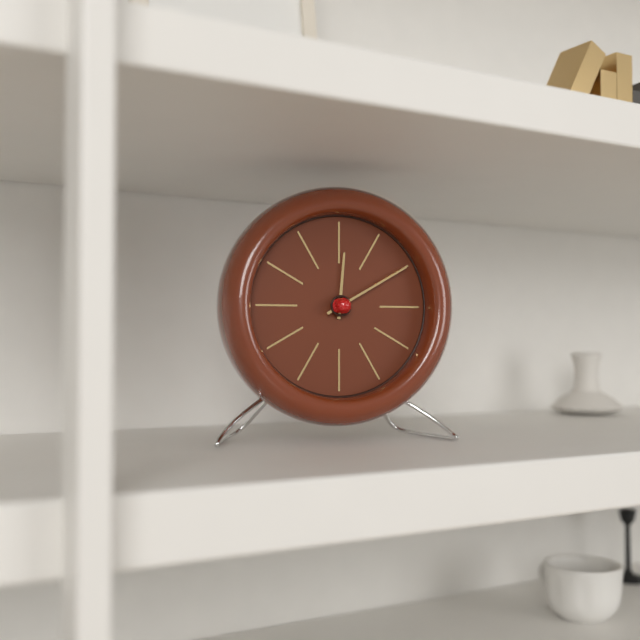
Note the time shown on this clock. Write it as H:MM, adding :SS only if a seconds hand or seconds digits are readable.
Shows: 12:10
